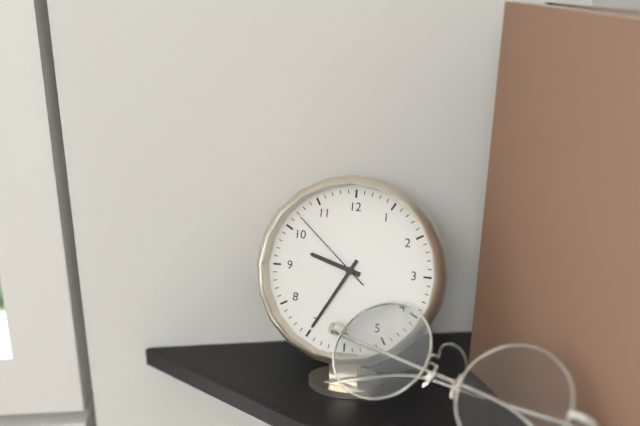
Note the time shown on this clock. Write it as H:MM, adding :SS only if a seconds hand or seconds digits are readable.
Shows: 9:35:52
